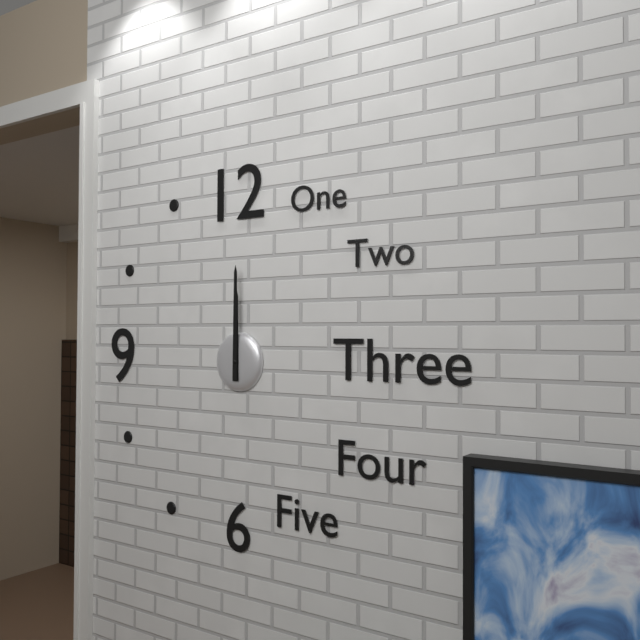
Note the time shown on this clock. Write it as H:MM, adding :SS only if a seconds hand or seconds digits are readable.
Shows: 12:00
